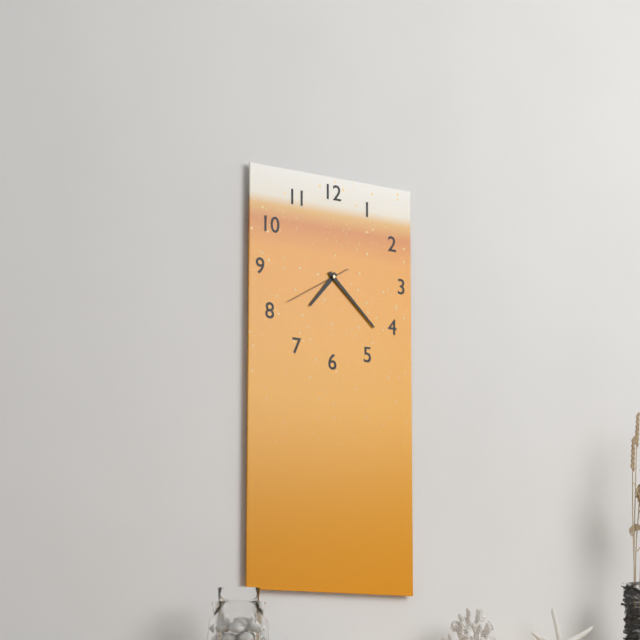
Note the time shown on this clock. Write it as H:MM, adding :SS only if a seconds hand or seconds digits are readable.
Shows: 7:22:40
